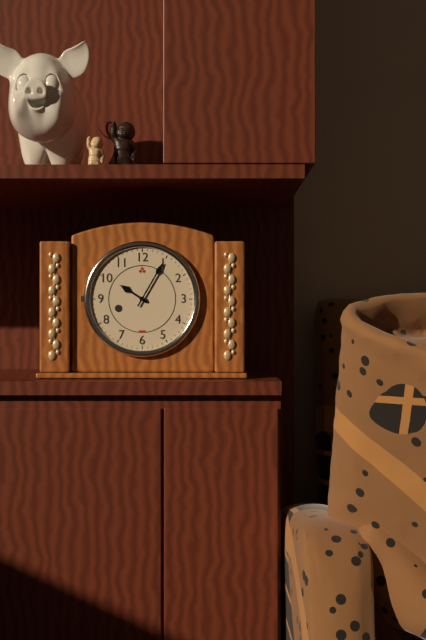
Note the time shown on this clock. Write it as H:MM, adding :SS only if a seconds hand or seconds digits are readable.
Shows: 10:05
